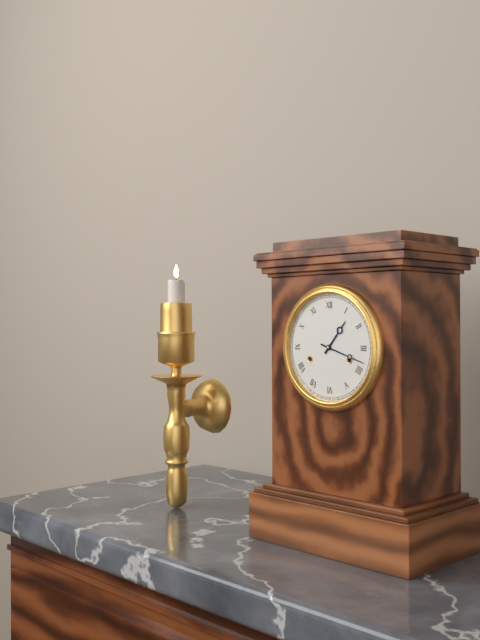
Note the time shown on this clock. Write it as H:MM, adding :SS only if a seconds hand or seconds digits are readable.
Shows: 1:18
